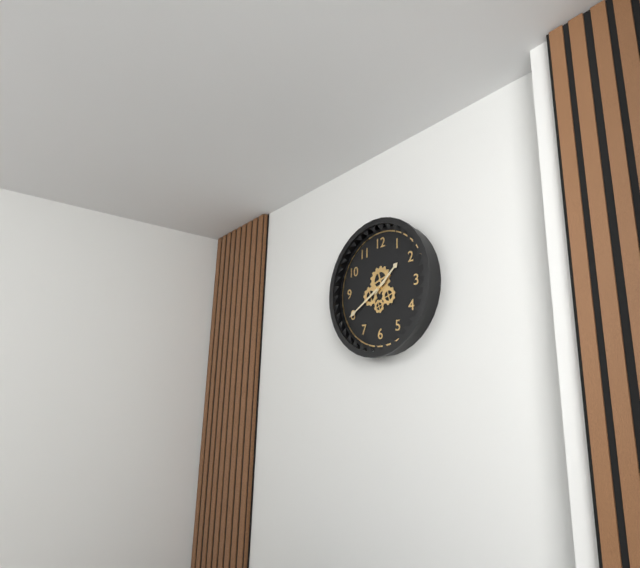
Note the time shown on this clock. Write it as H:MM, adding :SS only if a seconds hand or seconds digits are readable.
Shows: 1:40
